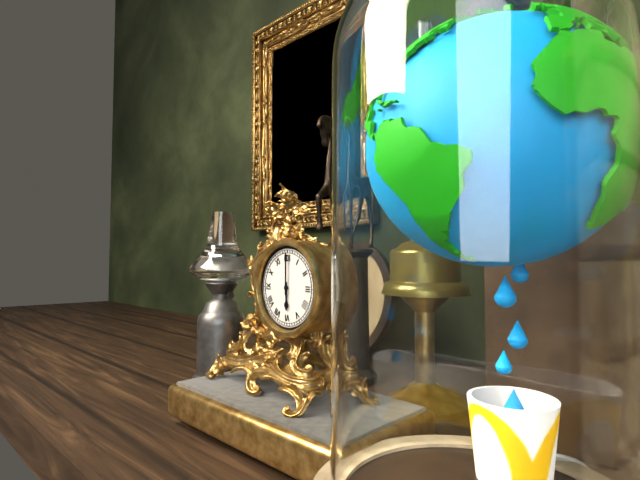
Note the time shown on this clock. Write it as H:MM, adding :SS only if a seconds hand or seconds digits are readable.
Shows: 6:00
